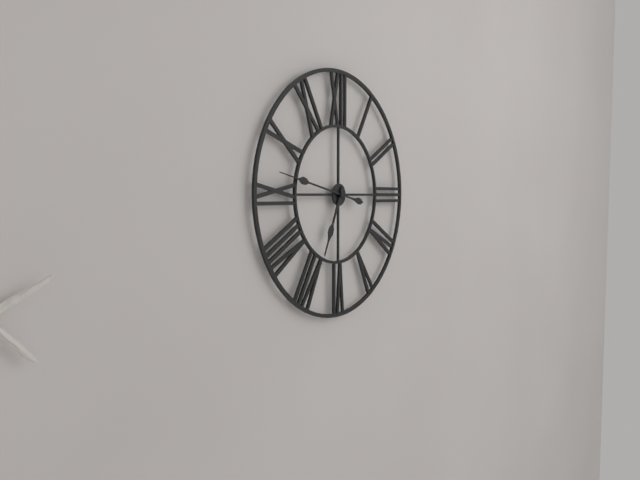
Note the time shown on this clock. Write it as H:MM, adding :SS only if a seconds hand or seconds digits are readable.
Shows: 6:47
